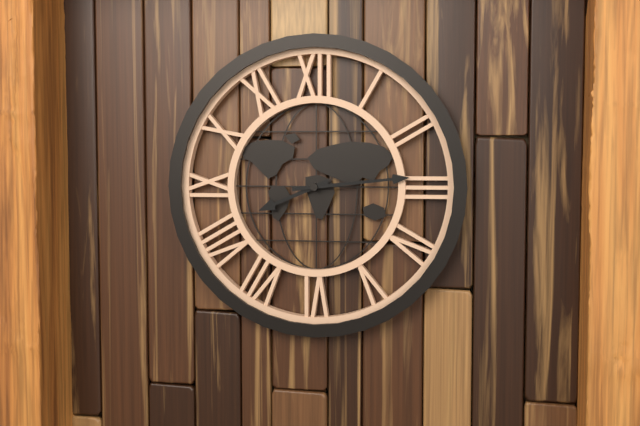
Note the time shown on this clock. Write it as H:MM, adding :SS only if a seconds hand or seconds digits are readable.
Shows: 8:14
